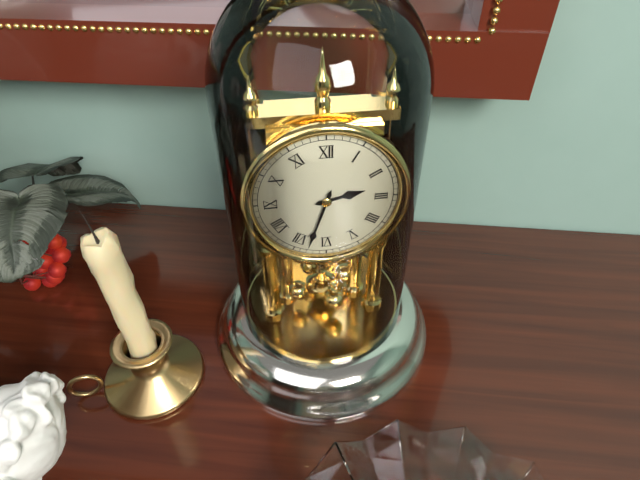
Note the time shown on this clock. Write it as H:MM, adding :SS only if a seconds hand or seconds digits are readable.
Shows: 2:33
